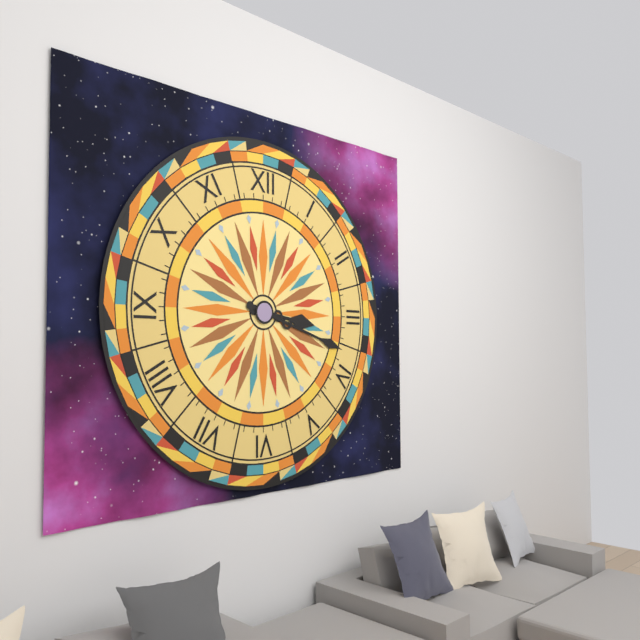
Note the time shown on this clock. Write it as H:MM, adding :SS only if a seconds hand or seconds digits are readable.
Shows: 3:18
